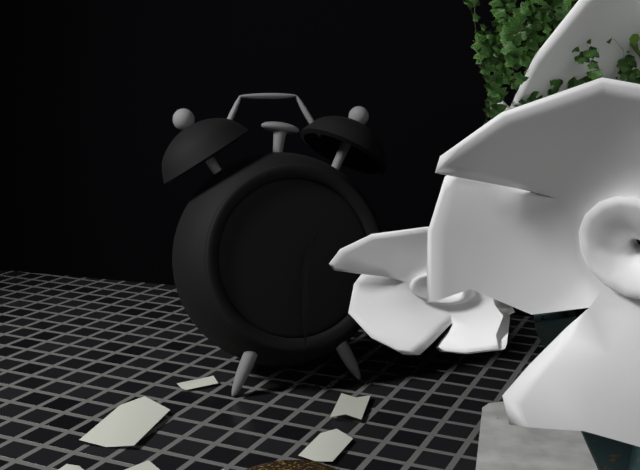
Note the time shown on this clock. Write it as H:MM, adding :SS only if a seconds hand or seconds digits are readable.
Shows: 12:30
